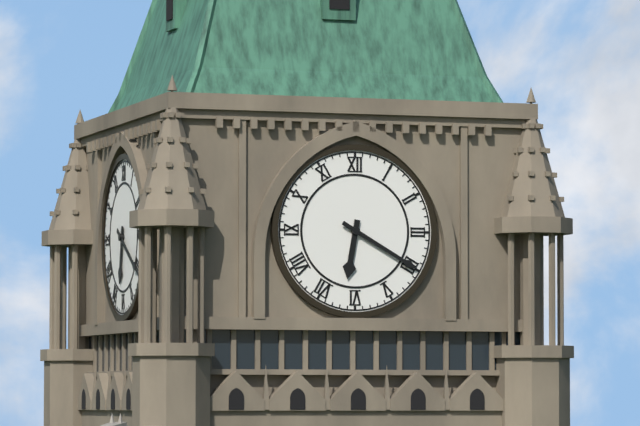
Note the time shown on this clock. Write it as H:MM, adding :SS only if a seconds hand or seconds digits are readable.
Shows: 6:20
